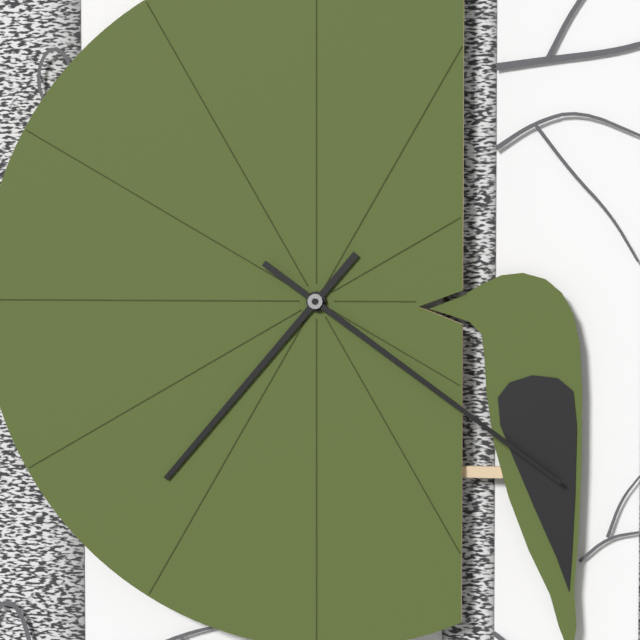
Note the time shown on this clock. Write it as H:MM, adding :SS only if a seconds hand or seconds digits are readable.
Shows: 7:21
